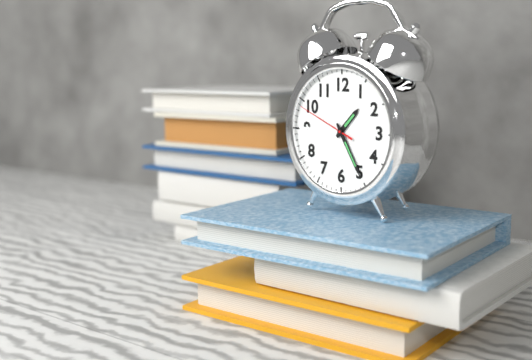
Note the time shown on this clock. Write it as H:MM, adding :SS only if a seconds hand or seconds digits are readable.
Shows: 1:25:49
